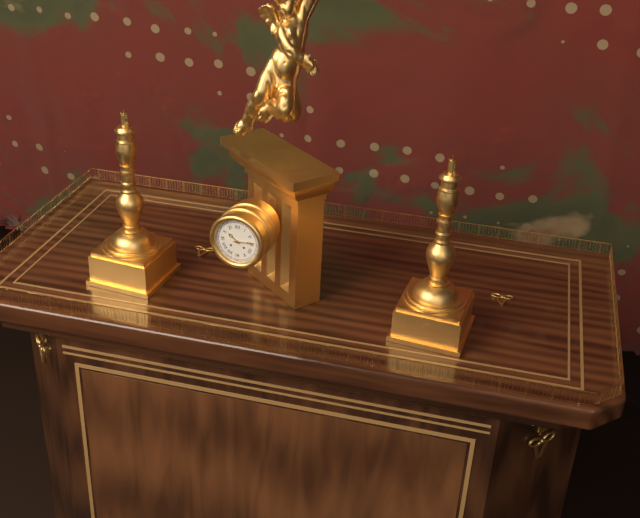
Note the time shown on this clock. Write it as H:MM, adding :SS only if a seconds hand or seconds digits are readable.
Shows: 10:14
